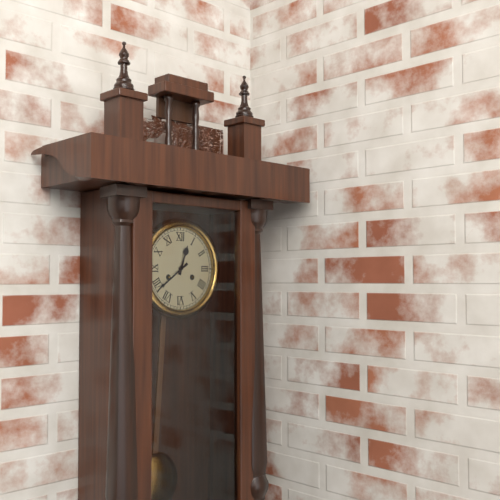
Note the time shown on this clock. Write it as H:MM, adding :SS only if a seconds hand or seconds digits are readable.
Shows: 12:39
